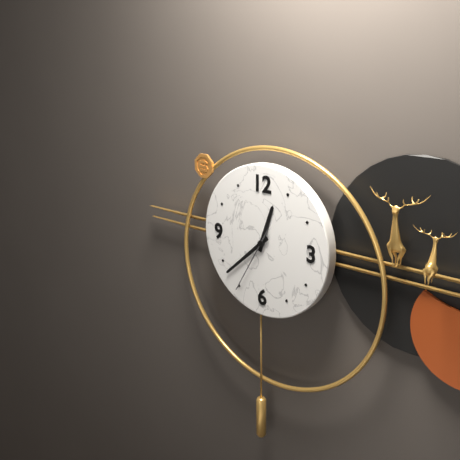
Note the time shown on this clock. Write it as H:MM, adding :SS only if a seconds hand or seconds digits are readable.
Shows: 12:38:35
